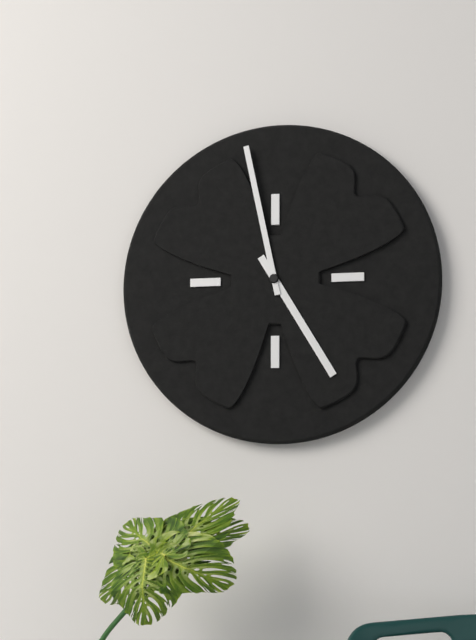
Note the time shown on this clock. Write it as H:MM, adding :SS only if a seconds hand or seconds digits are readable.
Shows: 4:58
